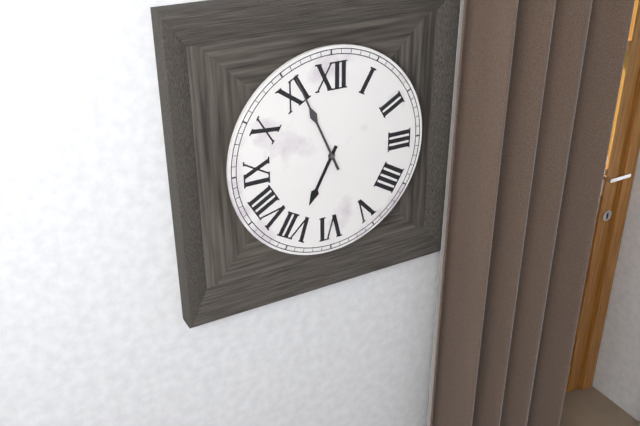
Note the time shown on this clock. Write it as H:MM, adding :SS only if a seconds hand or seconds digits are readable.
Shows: 6:56
